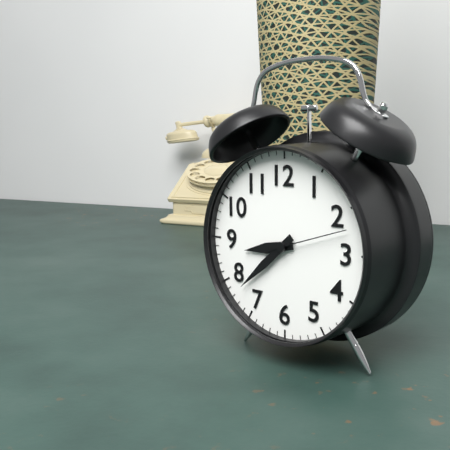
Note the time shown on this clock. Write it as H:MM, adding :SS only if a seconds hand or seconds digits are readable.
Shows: 8:38:12
